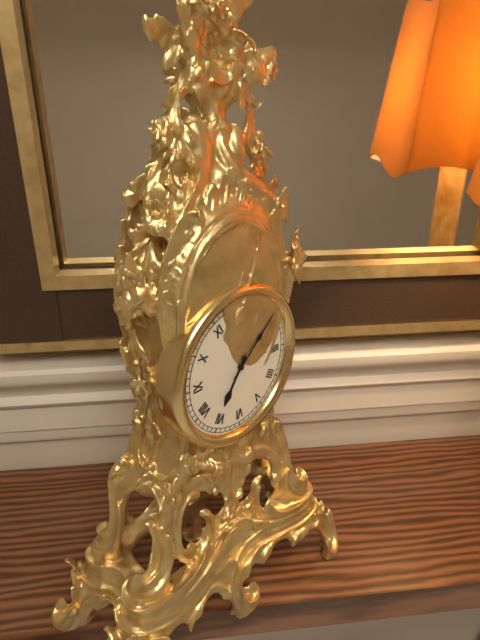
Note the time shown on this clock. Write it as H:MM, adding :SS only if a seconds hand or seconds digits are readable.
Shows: 7:08
